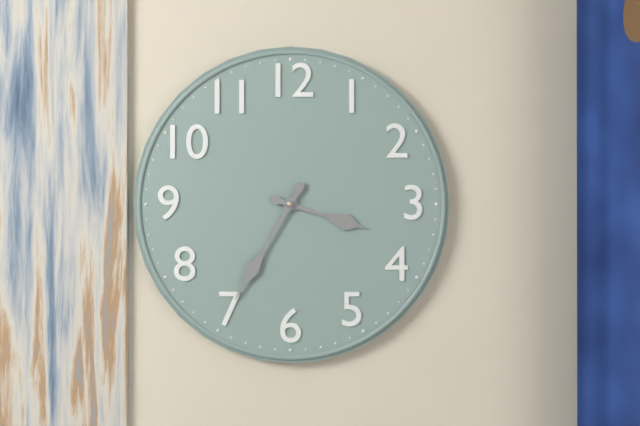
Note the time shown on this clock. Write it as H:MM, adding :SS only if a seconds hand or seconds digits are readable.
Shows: 3:35
